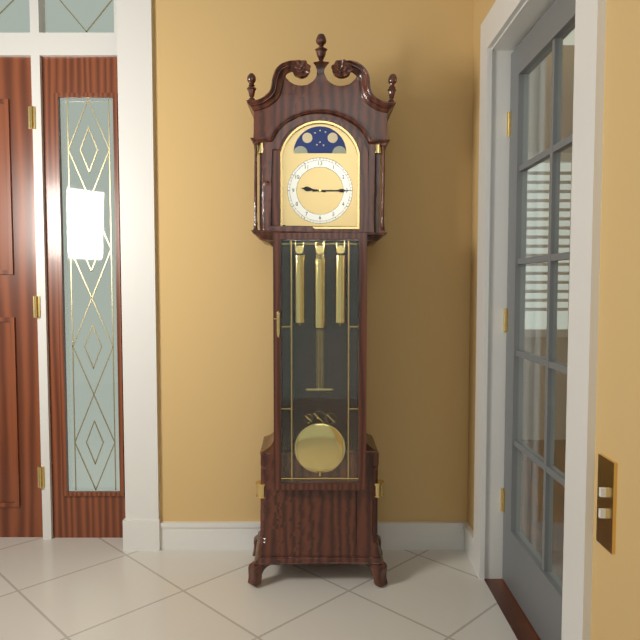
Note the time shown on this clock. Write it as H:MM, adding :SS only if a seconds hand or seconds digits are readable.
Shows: 9:15
